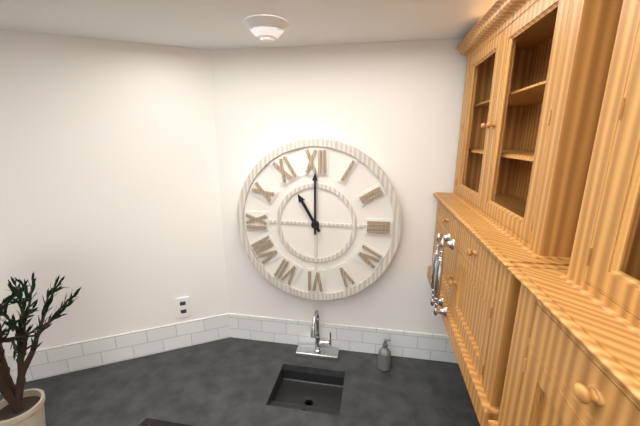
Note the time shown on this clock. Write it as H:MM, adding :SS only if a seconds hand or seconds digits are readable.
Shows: 11:00
